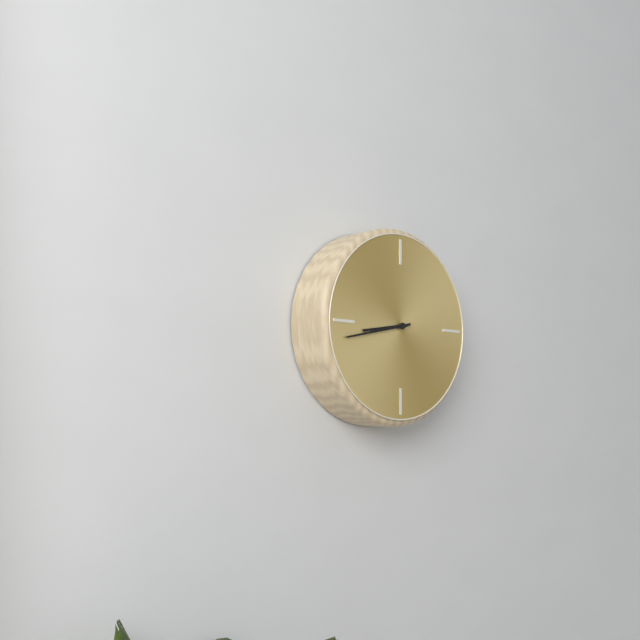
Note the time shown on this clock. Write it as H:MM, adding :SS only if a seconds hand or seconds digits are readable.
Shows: 8:43
